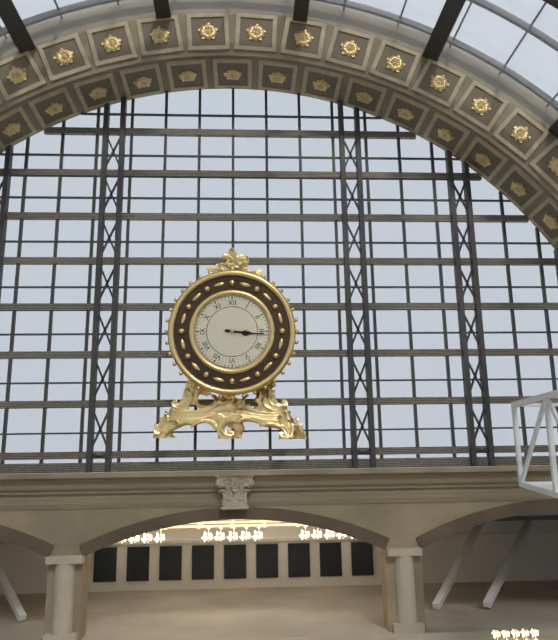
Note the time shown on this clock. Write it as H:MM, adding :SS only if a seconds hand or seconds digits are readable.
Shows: 3:16
